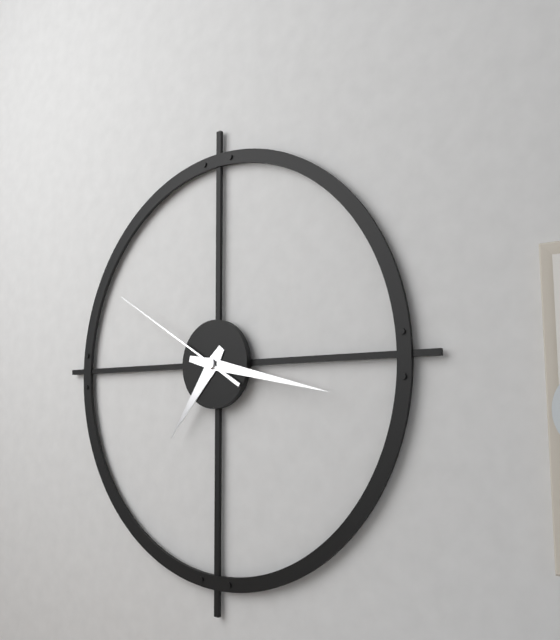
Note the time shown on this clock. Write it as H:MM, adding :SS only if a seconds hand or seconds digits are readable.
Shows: 7:17:50
